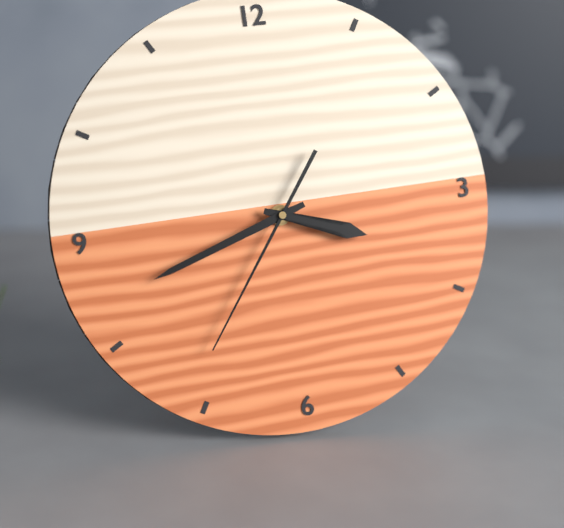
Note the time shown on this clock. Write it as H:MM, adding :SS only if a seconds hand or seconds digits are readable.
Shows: 3:42:36
